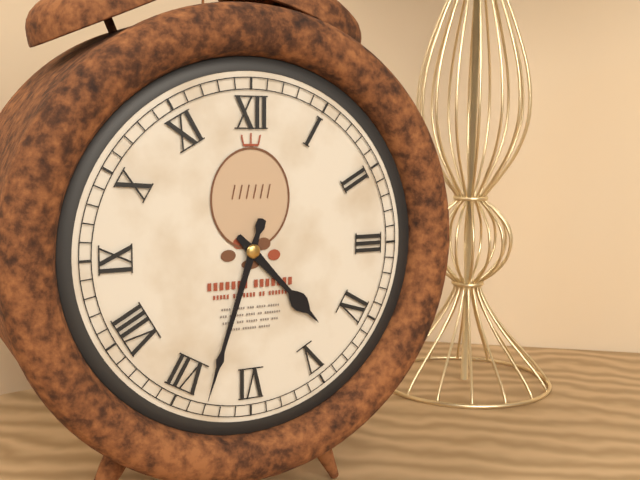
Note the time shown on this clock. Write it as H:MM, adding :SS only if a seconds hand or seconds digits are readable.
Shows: 4:33
